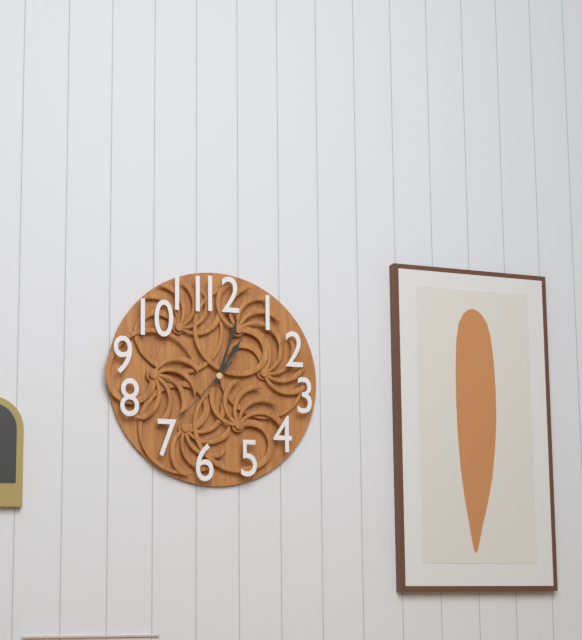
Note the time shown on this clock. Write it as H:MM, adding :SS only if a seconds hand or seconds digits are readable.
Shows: 1:03:37
